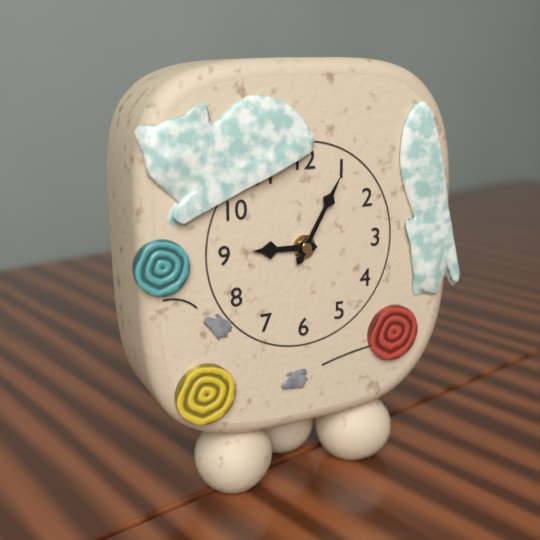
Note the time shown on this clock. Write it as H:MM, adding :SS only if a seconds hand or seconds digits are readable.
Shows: 9:05
